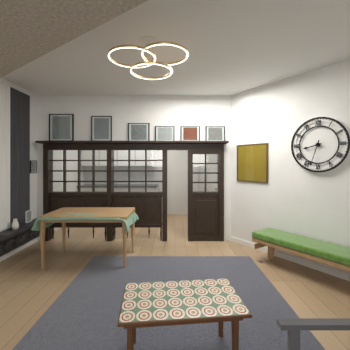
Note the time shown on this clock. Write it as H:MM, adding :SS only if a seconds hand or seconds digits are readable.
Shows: 8:33
